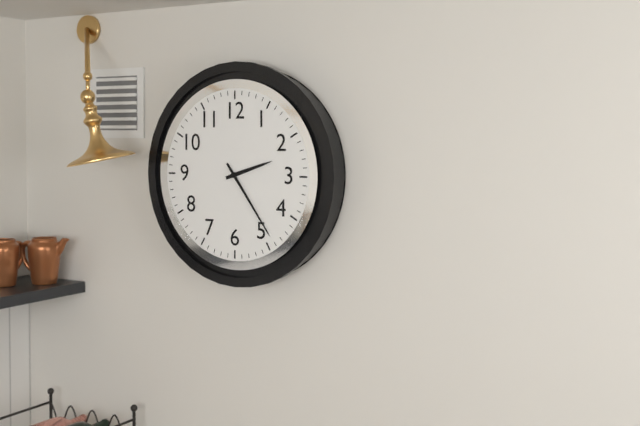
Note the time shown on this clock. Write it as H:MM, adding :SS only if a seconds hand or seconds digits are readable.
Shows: 2:24
